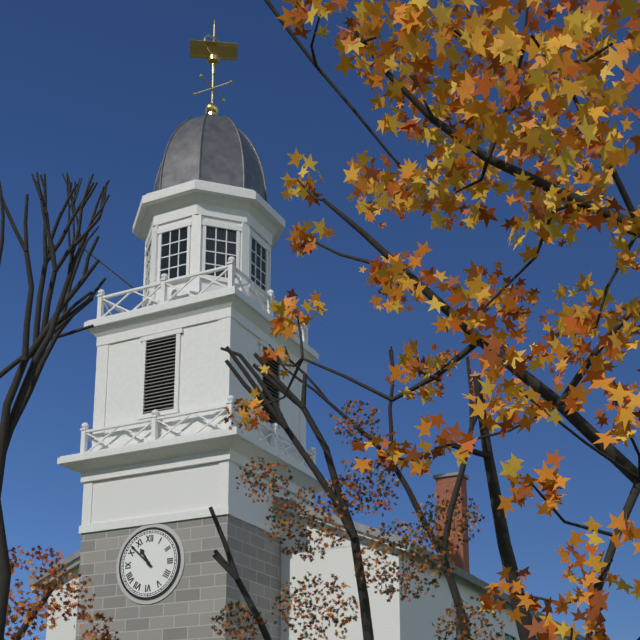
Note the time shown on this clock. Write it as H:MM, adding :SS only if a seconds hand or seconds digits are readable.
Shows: 10:52
